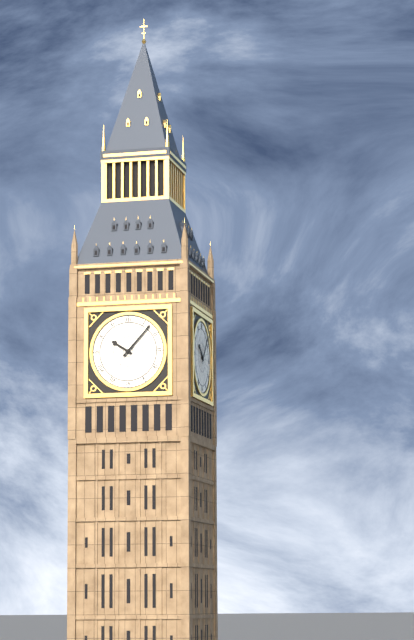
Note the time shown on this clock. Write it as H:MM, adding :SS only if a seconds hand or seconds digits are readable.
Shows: 10:07
